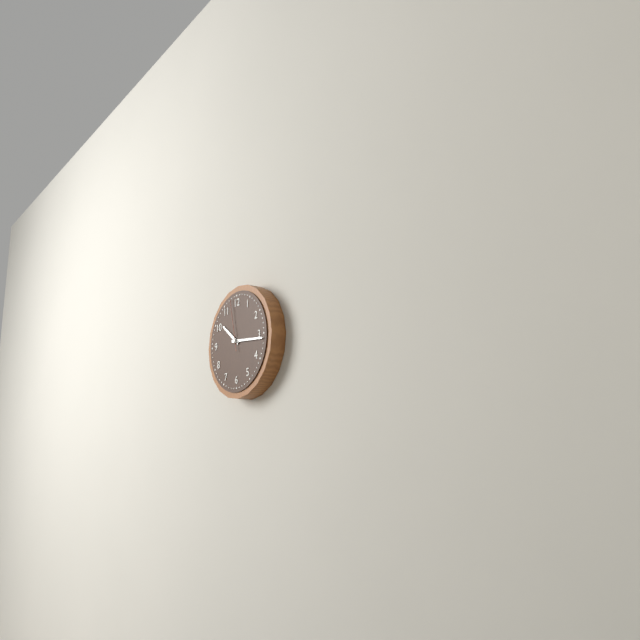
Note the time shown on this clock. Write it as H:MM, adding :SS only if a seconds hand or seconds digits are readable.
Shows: 10:16:58
